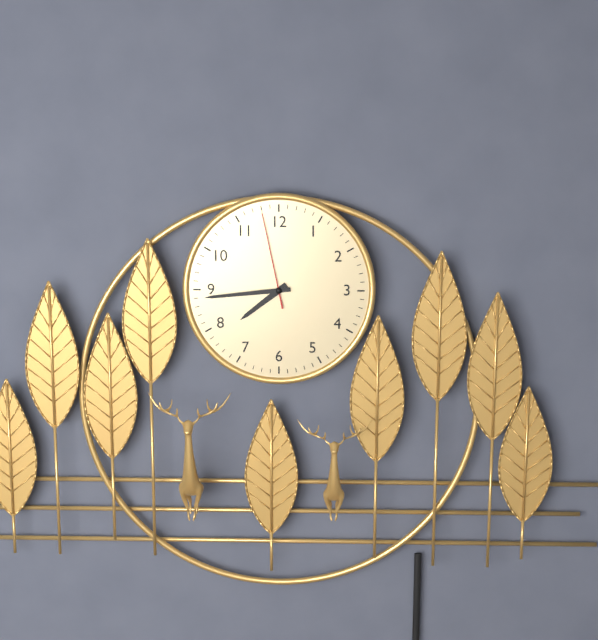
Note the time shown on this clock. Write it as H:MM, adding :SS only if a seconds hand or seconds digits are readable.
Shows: 7:44:58
